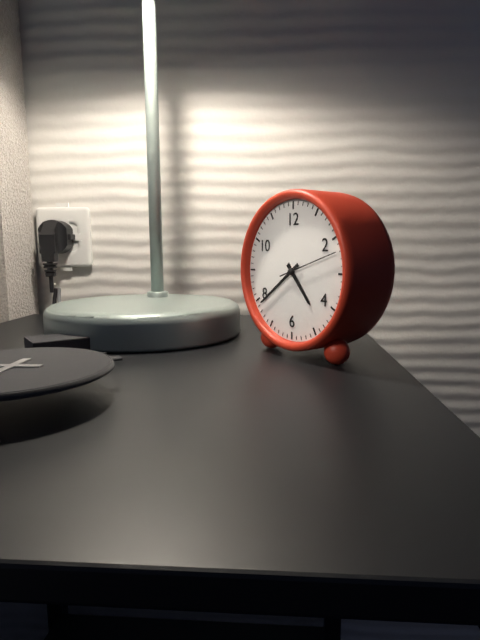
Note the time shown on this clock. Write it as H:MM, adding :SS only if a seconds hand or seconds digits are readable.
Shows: 4:39:12
